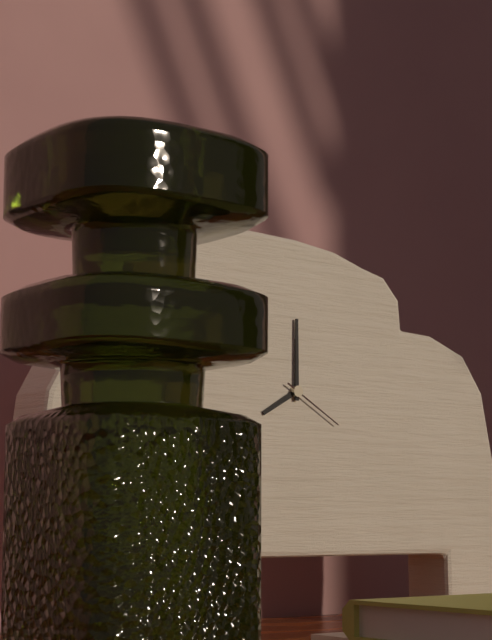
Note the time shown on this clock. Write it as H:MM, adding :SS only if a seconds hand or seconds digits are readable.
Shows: 8:00:20
